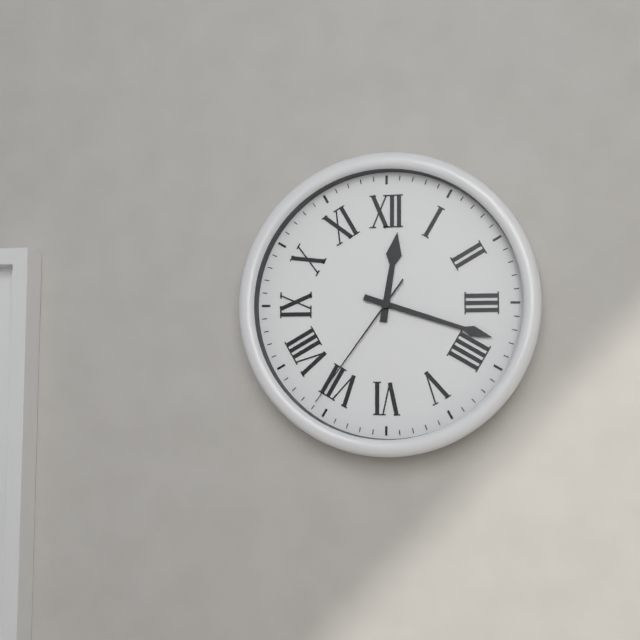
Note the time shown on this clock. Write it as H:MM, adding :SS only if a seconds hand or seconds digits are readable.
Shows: 12:18:36
